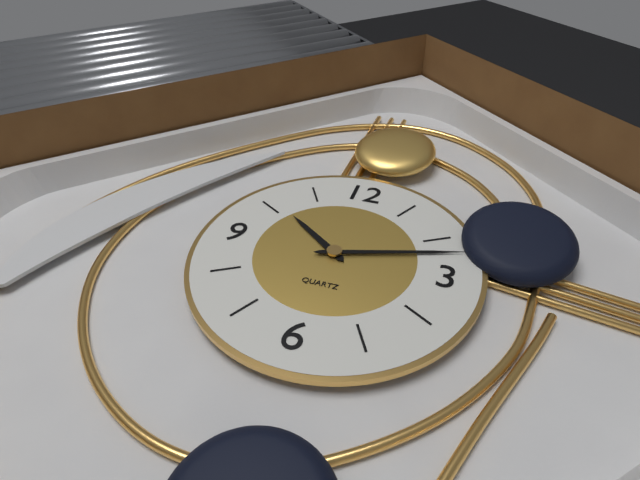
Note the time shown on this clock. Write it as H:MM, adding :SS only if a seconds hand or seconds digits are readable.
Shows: 10:12
